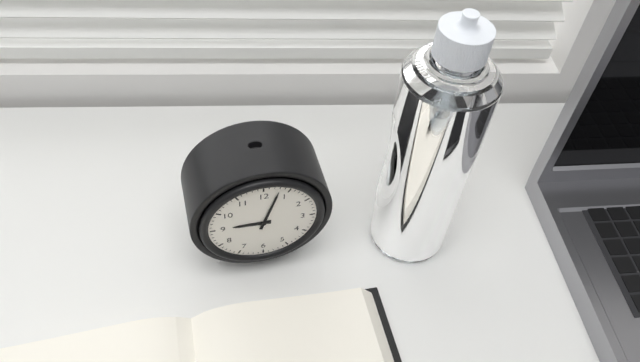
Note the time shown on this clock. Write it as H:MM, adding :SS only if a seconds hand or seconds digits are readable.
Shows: 9:03
